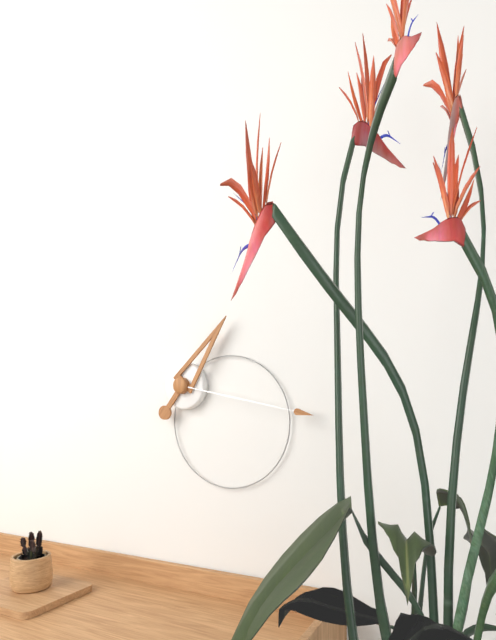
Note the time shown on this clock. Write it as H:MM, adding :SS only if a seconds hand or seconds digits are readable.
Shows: 1:17
